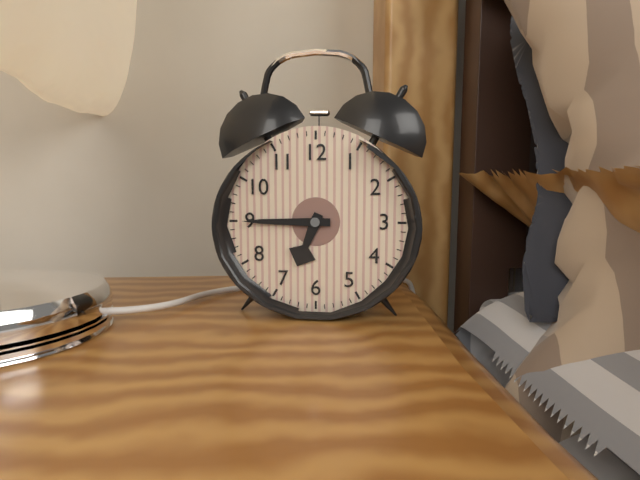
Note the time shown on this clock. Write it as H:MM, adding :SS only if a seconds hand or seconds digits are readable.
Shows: 6:45
